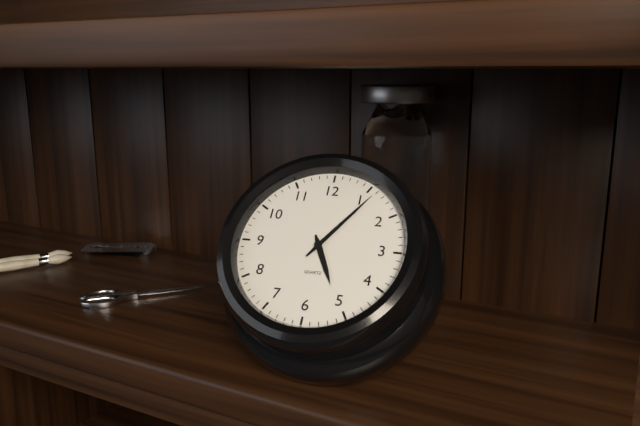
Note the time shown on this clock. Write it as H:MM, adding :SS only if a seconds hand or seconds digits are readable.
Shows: 5:06
